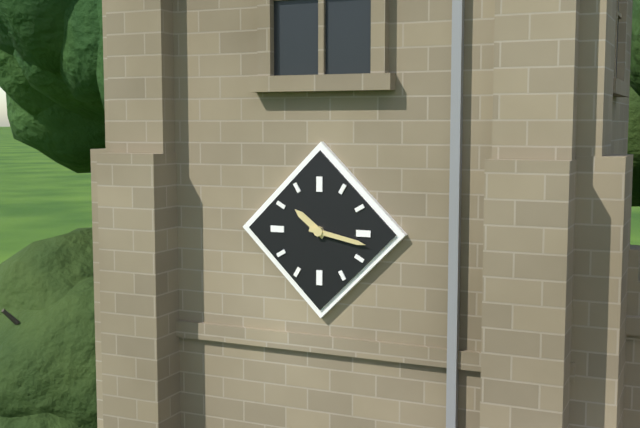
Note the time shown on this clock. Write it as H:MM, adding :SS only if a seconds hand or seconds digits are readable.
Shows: 10:17
